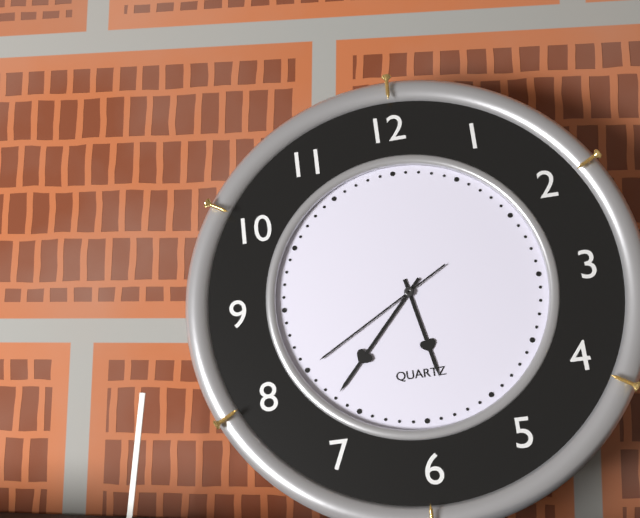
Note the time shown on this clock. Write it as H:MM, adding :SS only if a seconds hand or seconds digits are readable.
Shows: 5:37:40
